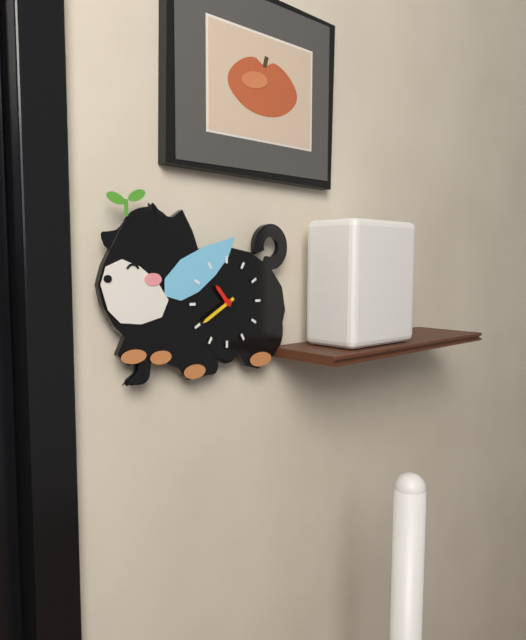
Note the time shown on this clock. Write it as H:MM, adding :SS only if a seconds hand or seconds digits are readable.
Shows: 10:40
